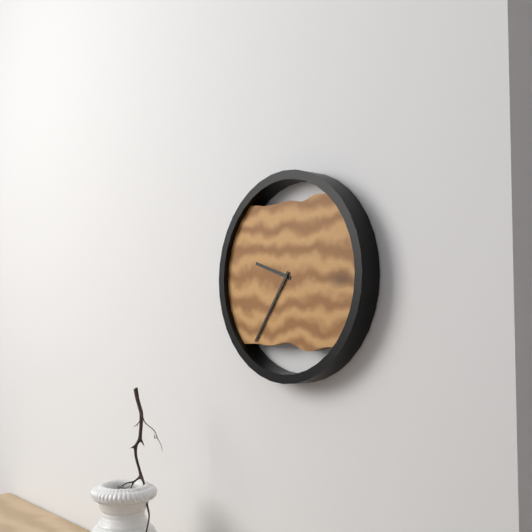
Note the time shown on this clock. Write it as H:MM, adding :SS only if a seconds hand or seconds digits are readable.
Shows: 9:36
